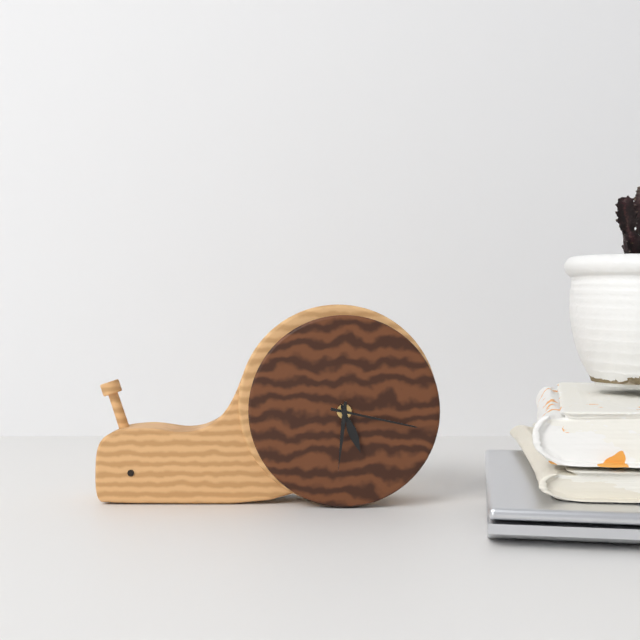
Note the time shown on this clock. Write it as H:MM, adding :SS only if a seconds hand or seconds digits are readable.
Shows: 5:17:31
